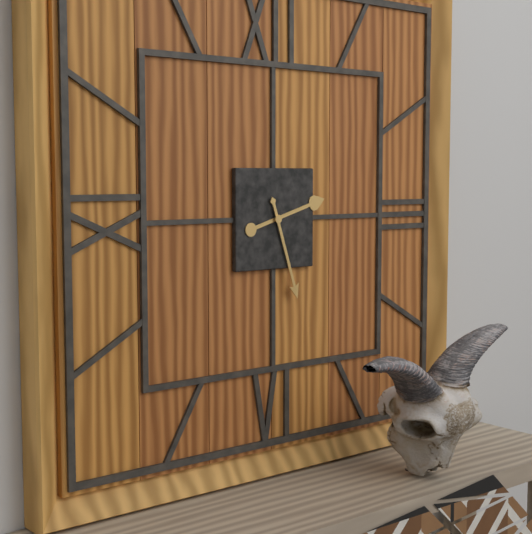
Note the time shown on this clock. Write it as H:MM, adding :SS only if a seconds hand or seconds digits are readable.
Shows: 2:27
